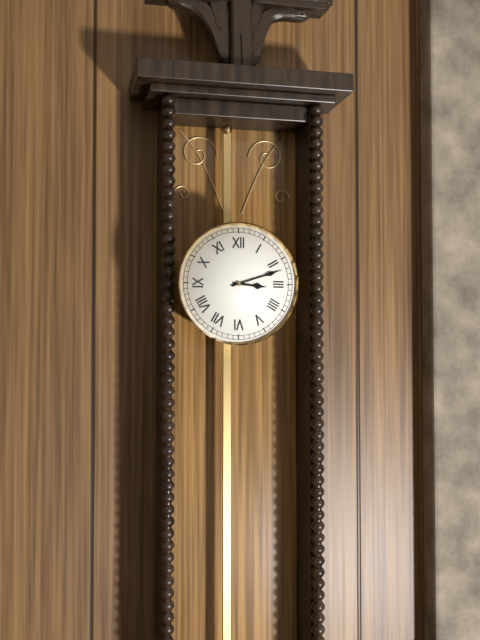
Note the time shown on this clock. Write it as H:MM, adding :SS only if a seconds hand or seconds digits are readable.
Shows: 3:12
